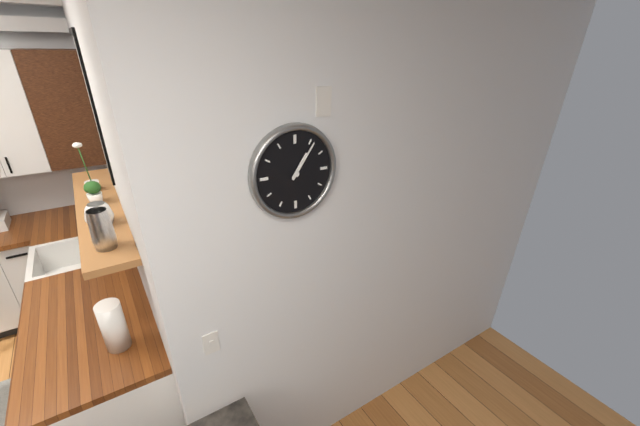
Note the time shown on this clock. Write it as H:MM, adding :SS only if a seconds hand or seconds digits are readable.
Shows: 1:06
